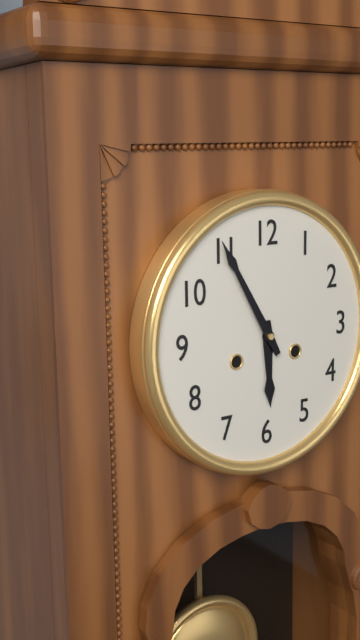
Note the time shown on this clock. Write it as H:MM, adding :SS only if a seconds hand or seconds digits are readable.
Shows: 5:55
